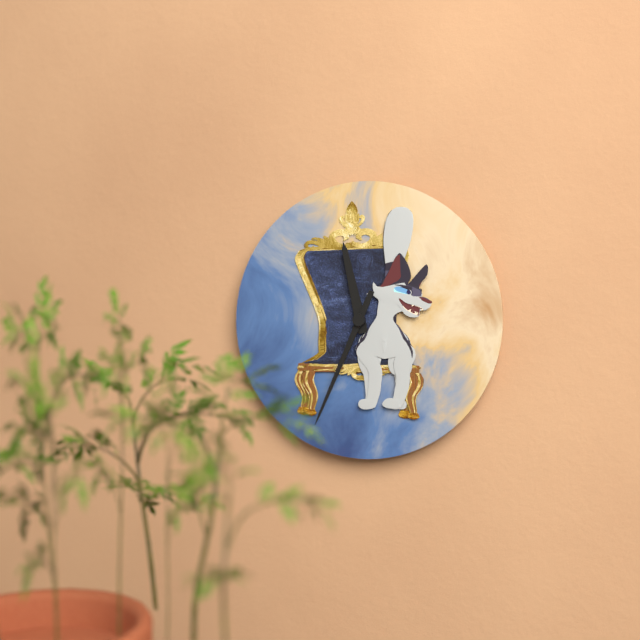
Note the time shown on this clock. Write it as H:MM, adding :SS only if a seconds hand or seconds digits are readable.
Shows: 11:34
